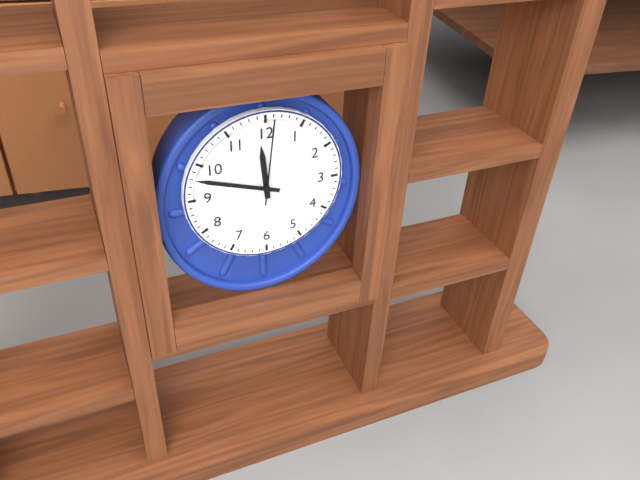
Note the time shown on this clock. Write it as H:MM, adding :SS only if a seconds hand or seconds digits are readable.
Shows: 11:48:01
